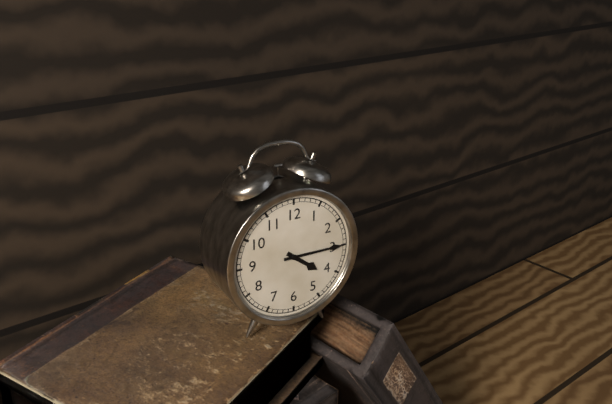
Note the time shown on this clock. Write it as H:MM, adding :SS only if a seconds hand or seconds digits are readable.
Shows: 4:15
